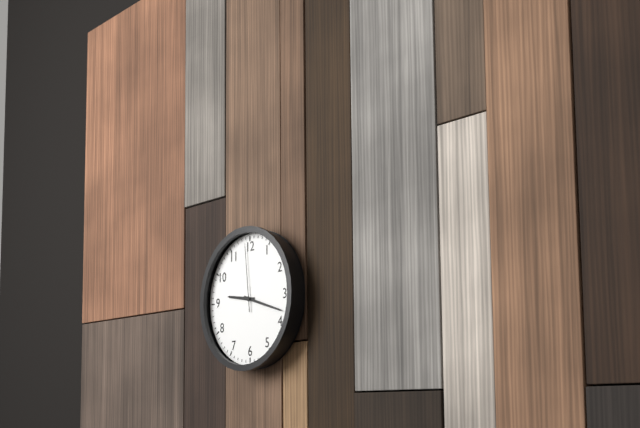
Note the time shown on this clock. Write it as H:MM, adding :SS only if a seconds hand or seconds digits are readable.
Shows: 9:18:59
